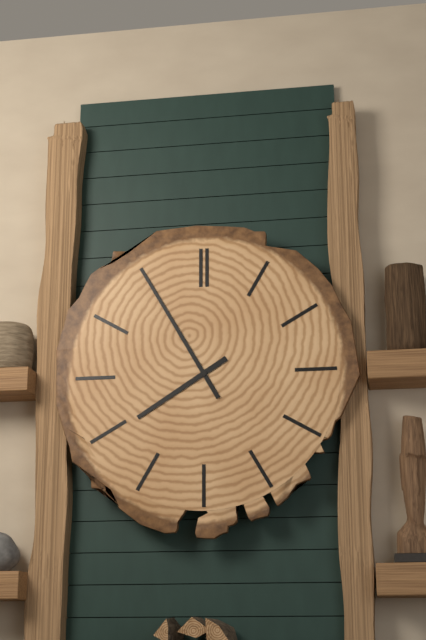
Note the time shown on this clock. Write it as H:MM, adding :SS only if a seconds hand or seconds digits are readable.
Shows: 7:55
